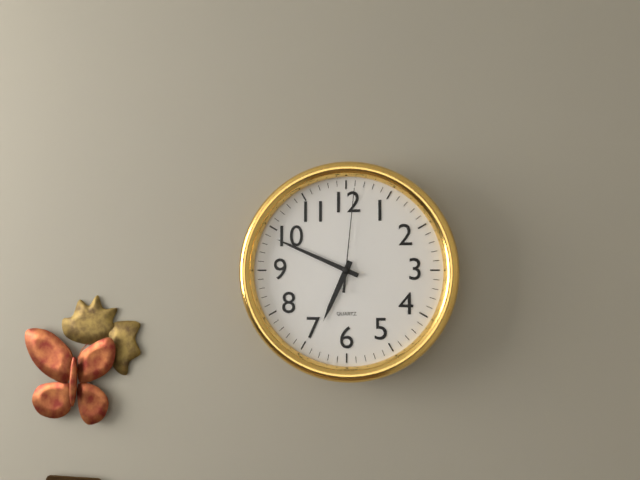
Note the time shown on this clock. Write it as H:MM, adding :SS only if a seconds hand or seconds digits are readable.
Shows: 6:49:01
